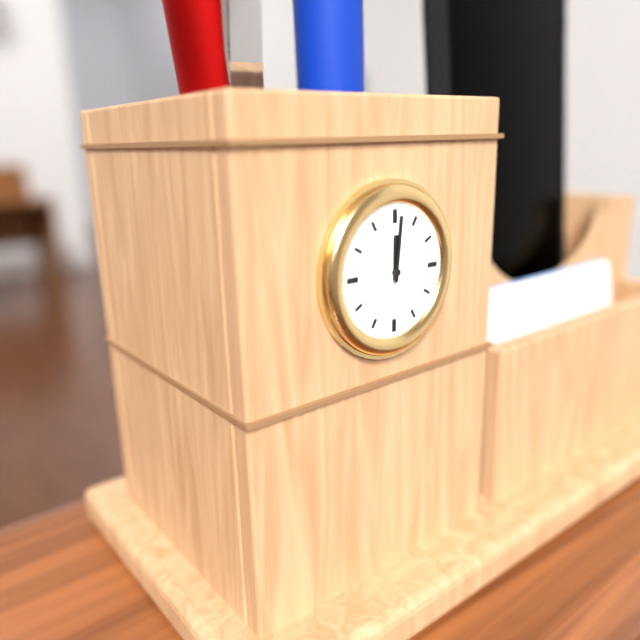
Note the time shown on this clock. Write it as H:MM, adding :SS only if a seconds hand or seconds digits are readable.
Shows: 12:01
